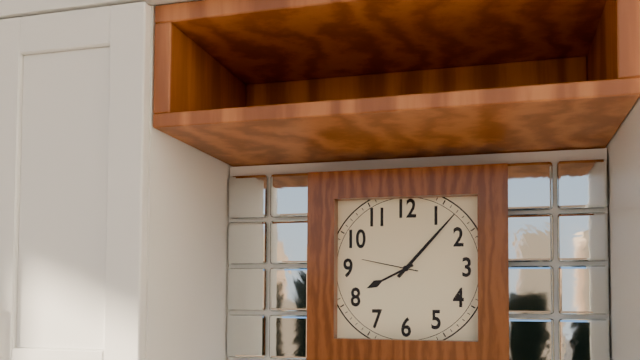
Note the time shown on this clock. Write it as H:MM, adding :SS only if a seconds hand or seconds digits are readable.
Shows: 8:07:47
